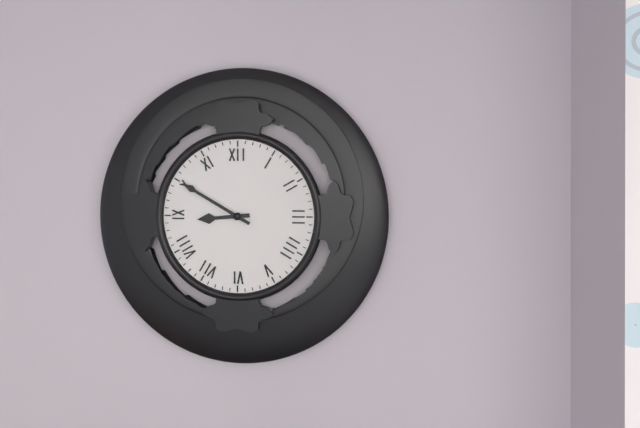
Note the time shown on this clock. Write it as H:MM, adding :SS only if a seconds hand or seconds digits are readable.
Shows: 8:50
